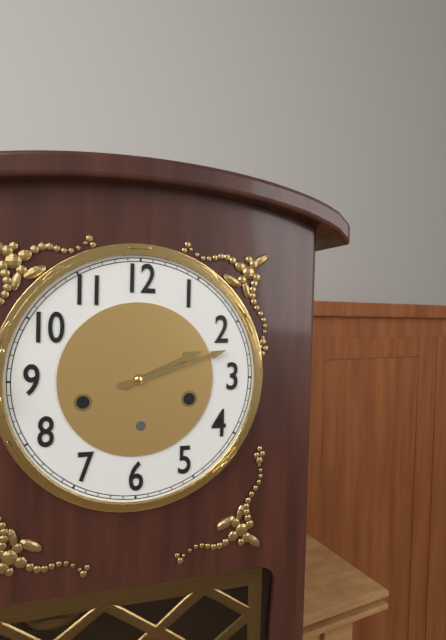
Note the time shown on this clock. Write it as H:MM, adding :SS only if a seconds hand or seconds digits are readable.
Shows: 2:12
